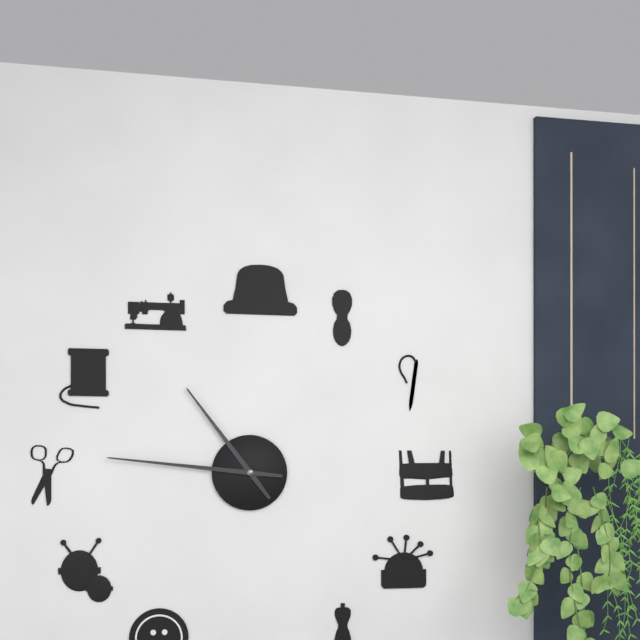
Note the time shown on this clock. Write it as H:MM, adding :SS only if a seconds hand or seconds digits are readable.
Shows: 10:46
